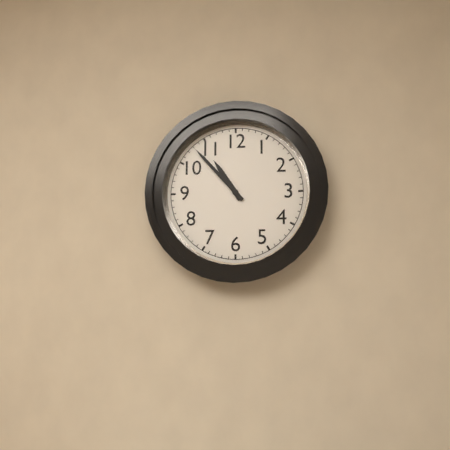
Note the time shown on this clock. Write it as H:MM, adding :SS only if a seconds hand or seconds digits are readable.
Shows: 10:53
